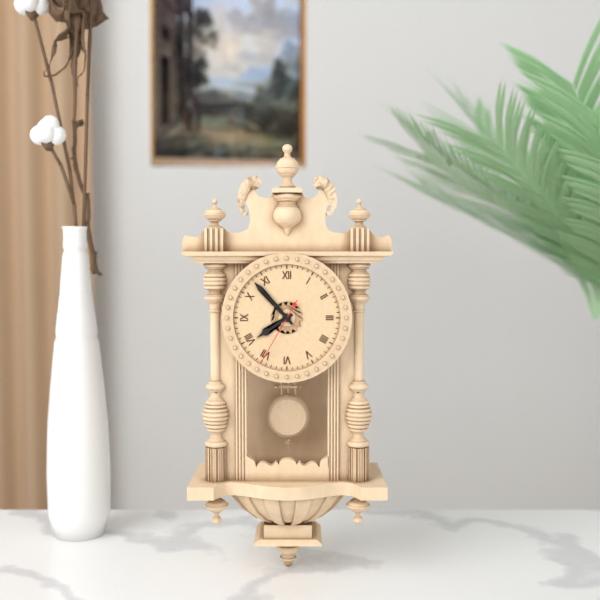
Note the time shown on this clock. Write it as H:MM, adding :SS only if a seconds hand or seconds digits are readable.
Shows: 7:53:35
